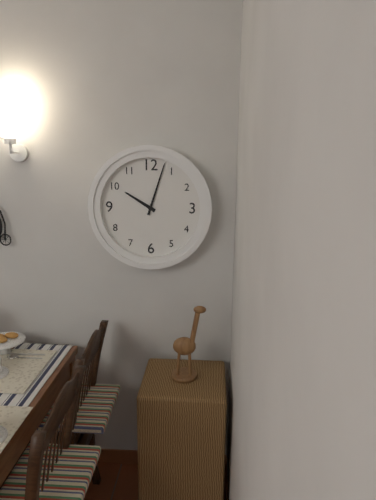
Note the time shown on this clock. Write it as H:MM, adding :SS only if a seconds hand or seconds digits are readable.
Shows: 10:03
